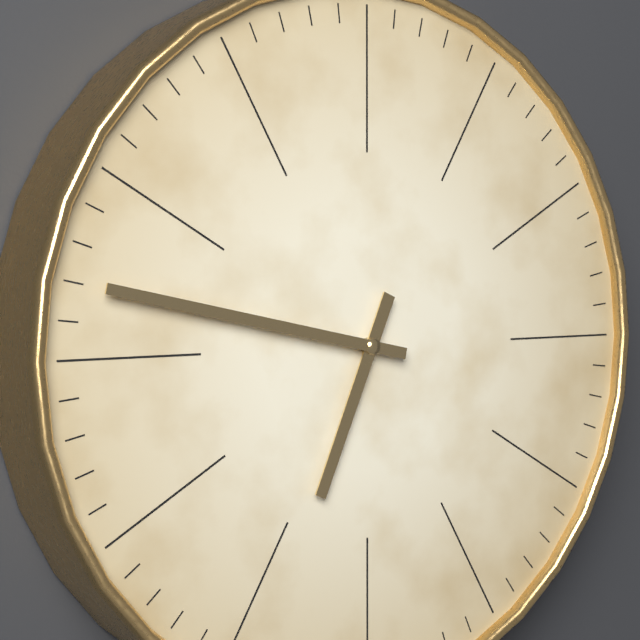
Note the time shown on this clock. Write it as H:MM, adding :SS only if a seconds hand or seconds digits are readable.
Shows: 6:47
